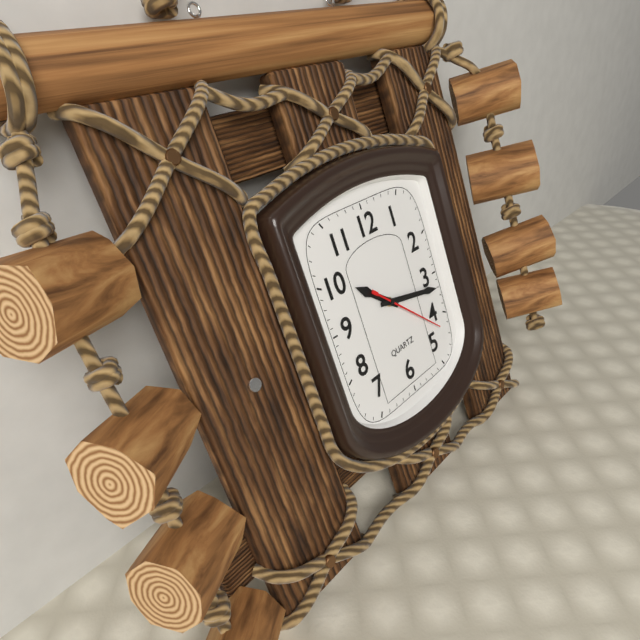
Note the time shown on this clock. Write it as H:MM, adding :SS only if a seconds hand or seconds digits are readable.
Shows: 10:17:22
